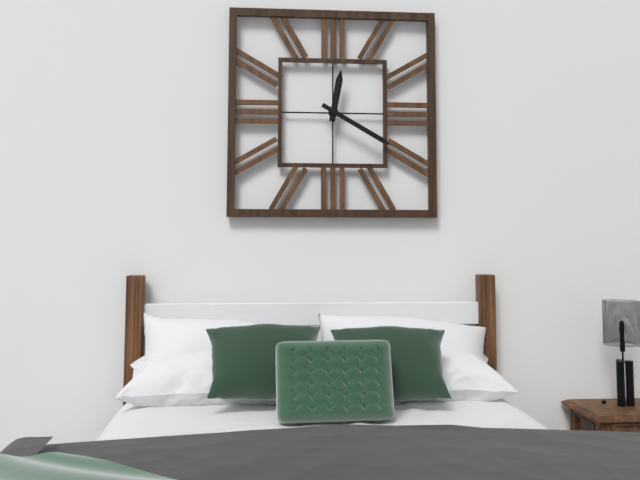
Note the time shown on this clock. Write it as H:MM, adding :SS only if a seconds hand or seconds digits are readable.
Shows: 12:20
